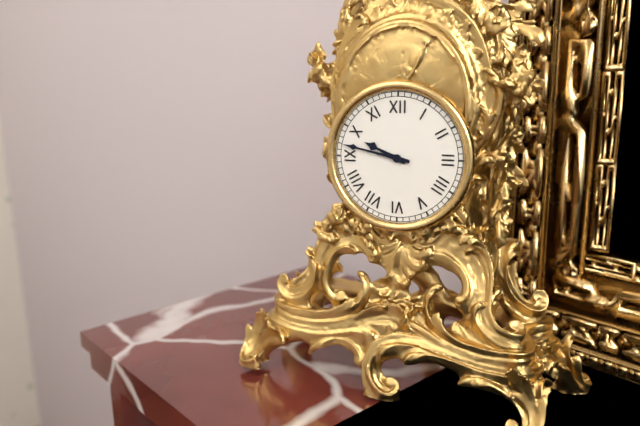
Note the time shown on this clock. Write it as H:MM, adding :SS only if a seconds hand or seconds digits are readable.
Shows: 9:47
